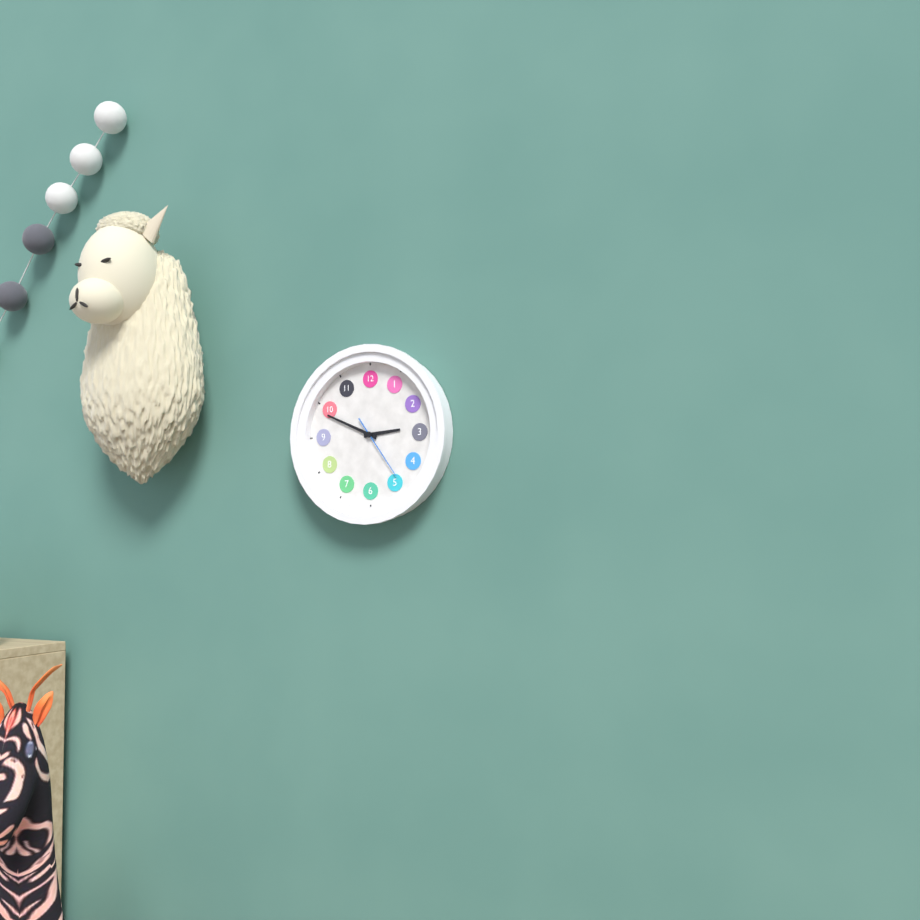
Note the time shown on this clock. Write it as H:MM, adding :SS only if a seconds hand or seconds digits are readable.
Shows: 2:49:24
